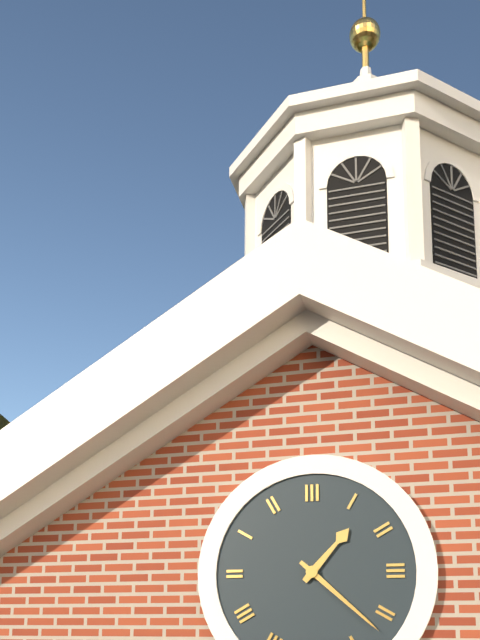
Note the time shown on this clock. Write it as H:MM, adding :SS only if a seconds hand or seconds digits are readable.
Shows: 1:22
